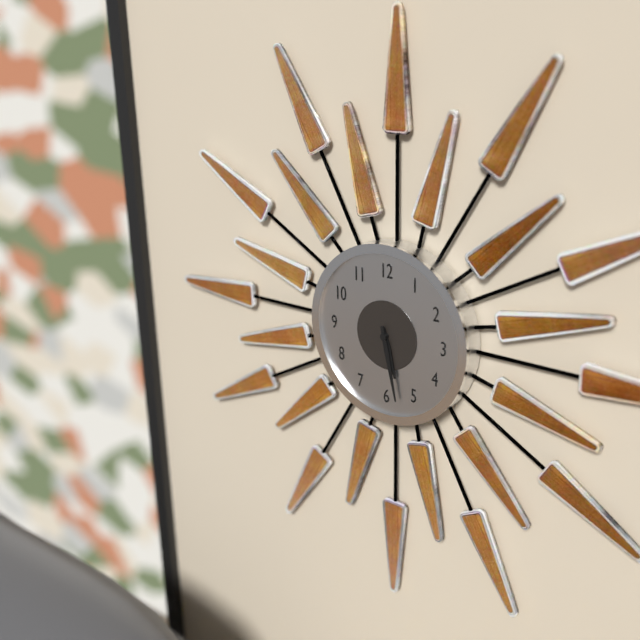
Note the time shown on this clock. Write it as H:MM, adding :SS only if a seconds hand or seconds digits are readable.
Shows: 5:28
